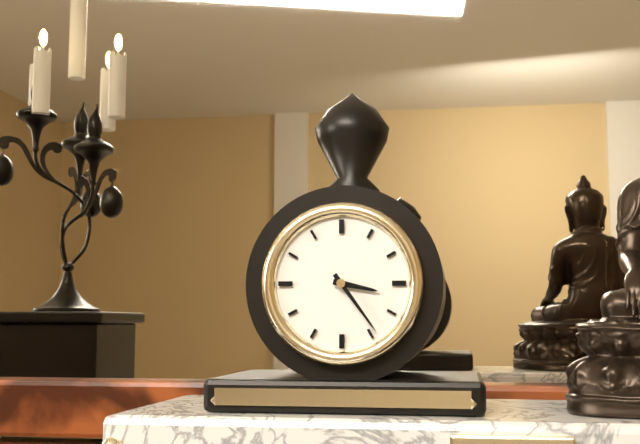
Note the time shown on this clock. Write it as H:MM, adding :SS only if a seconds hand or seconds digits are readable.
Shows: 3:24
